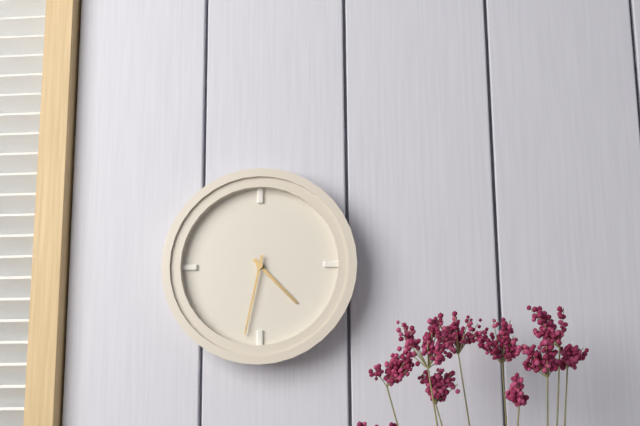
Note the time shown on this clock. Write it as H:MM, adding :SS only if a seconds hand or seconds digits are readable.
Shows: 4:32
